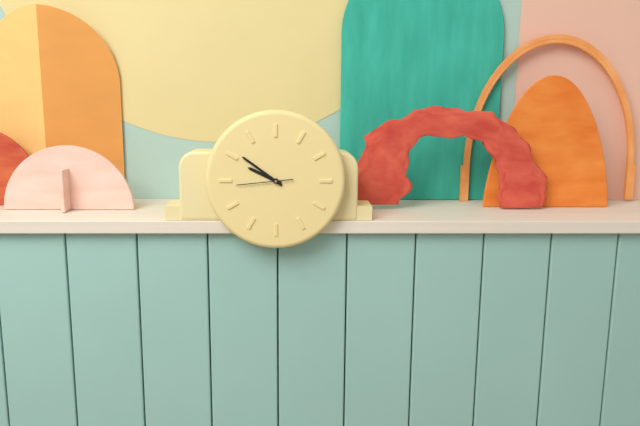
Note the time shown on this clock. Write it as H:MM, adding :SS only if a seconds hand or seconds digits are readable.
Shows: 9:51
